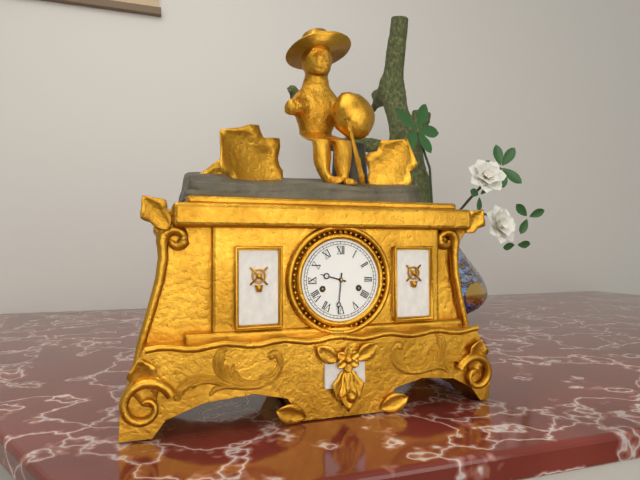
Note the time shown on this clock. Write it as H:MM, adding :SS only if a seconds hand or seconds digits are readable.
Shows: 9:31
